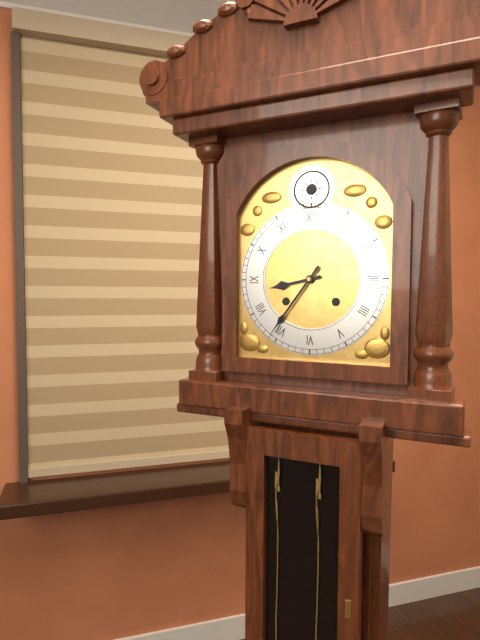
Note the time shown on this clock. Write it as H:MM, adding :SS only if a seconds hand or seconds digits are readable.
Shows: 8:36
